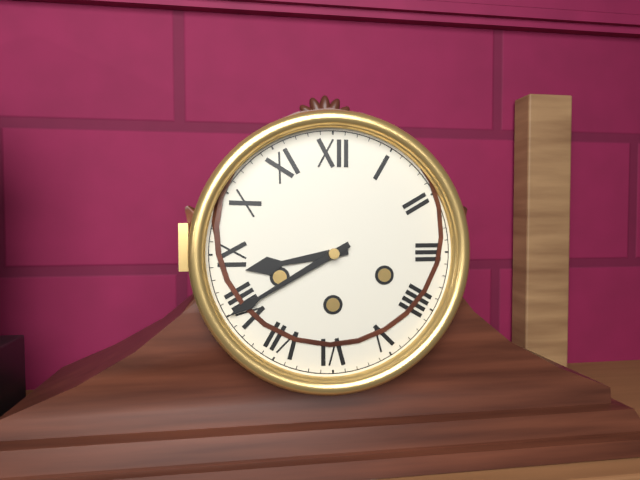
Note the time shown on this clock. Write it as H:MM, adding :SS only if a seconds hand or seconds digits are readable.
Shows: 8:40
